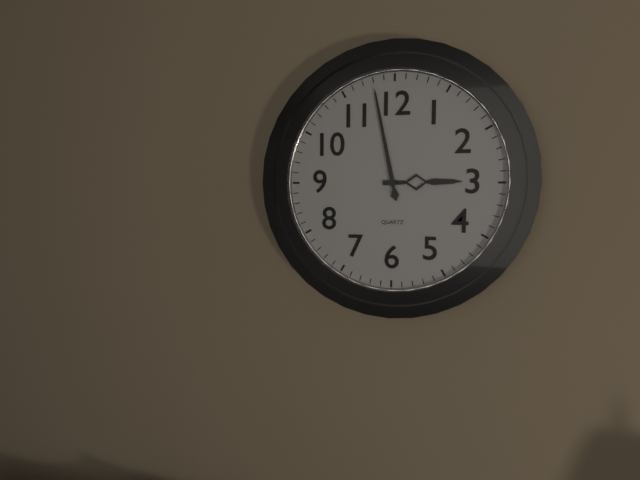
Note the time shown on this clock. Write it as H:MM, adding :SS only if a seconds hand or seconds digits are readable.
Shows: 2:58
